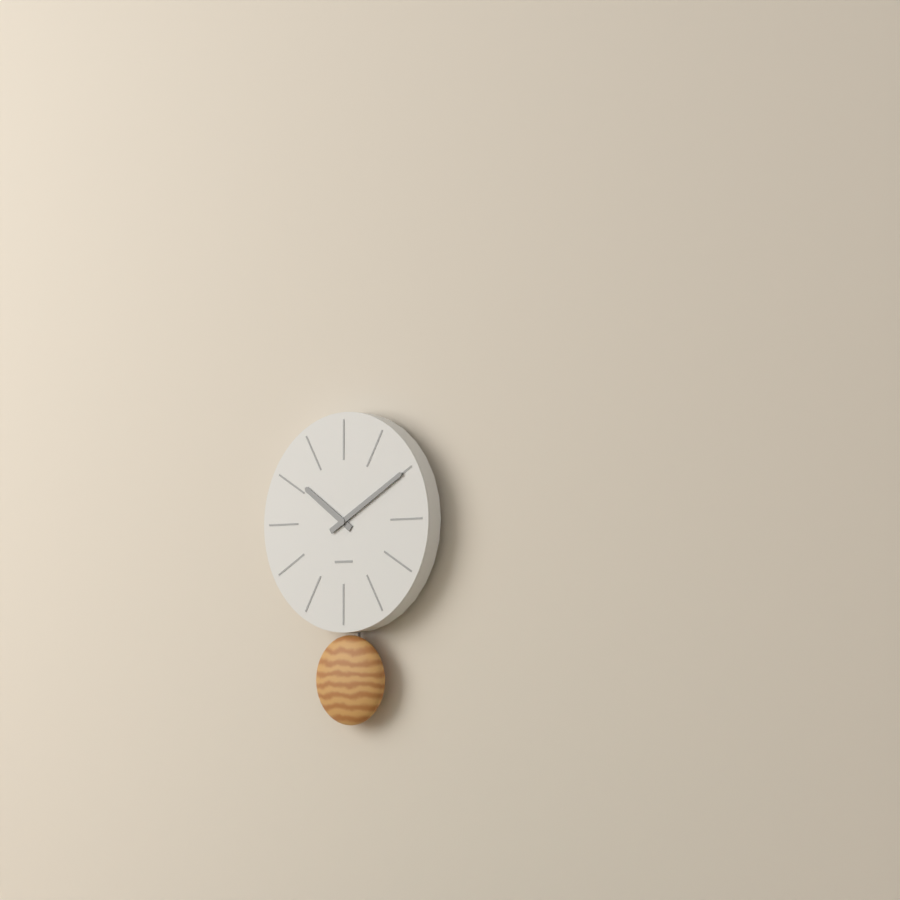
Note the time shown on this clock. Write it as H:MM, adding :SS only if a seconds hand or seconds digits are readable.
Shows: 10:10
